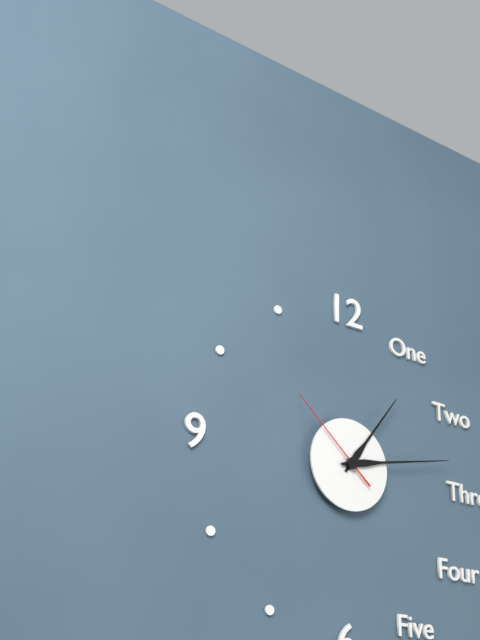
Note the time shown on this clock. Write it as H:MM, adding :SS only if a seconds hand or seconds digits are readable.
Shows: 1:13:52
